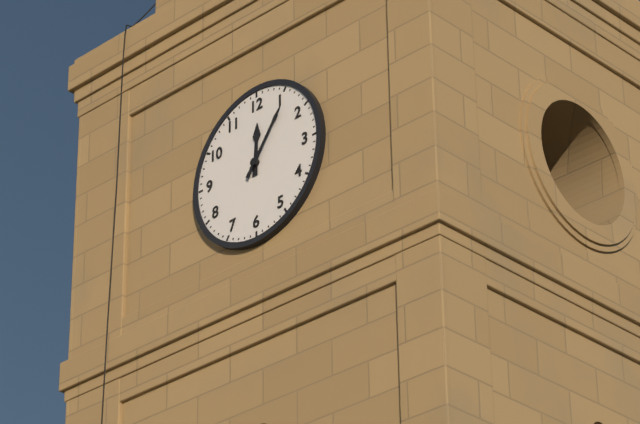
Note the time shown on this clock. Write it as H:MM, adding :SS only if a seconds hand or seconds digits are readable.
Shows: 12:06
